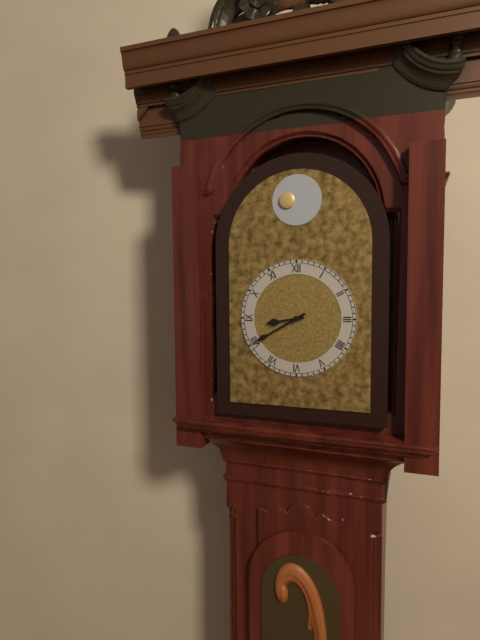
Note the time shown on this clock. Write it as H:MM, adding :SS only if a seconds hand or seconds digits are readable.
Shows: 8:40
